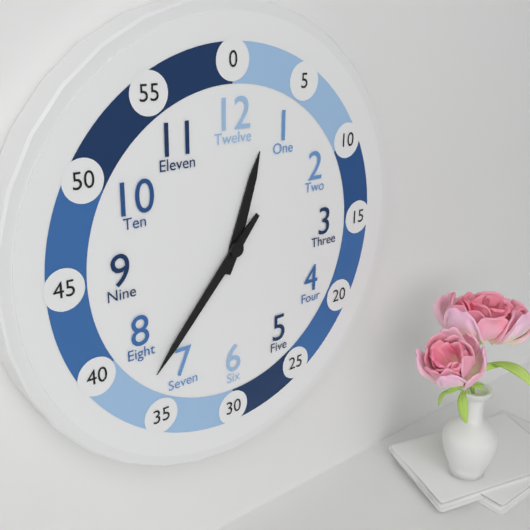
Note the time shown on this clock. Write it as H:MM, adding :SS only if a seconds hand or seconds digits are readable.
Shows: 12:37
